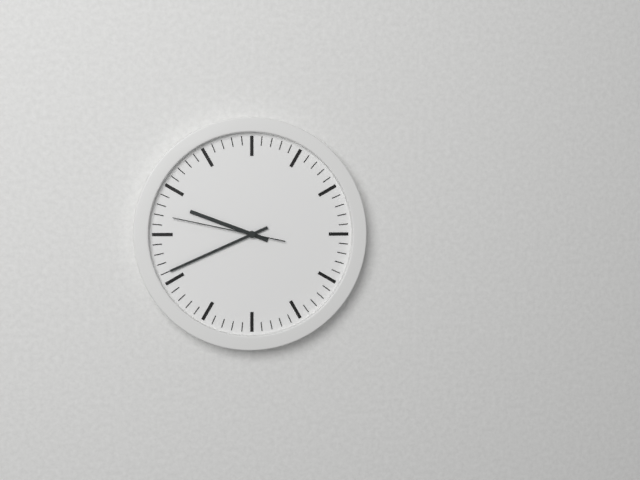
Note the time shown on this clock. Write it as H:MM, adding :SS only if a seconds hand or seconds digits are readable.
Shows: 9:41:47
